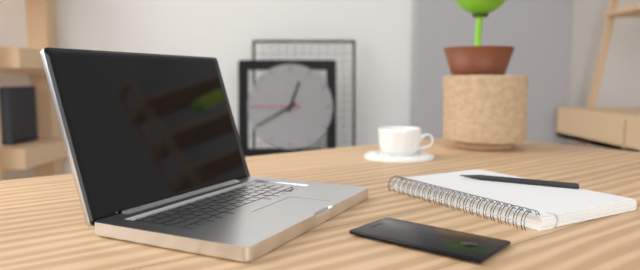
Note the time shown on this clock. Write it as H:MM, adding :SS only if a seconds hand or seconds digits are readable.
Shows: 12:40:45
